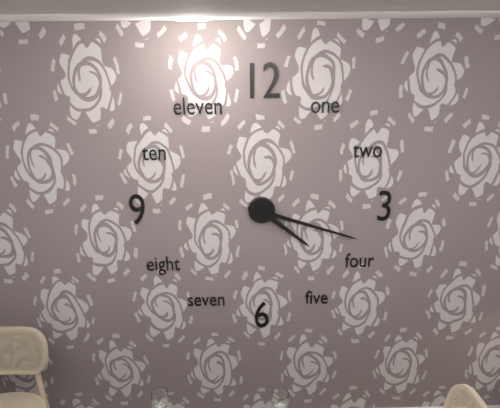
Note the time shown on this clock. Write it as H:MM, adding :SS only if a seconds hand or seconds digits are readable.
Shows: 4:18
